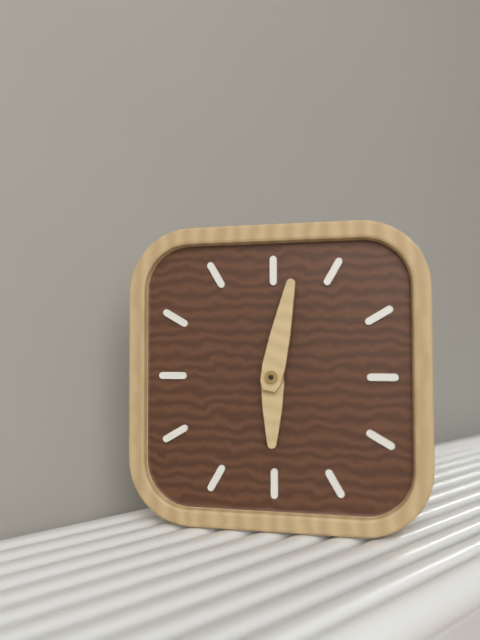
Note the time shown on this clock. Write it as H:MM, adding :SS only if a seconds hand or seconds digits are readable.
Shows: 6:02
